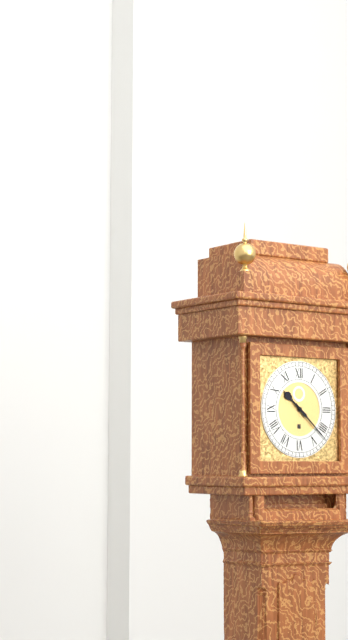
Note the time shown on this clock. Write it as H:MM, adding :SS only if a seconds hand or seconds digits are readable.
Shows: 10:22
